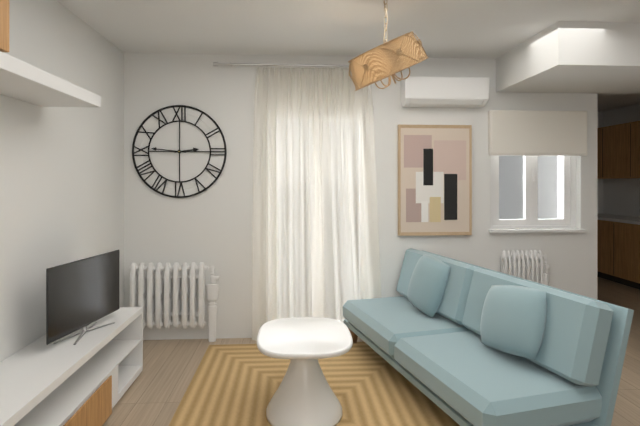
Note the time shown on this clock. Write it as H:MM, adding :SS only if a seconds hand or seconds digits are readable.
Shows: 2:46
